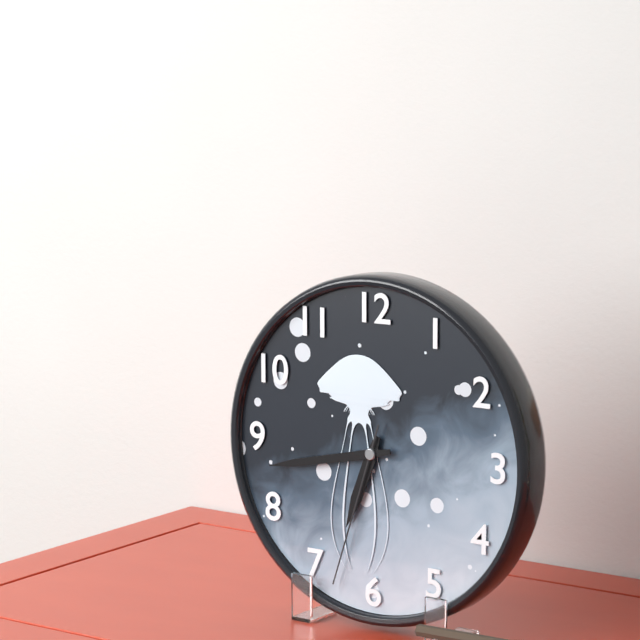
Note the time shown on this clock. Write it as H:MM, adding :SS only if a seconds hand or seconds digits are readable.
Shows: 6:43:33
